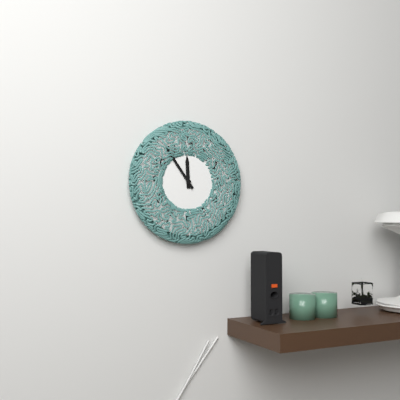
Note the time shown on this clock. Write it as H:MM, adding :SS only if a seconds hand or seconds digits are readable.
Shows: 11:54
